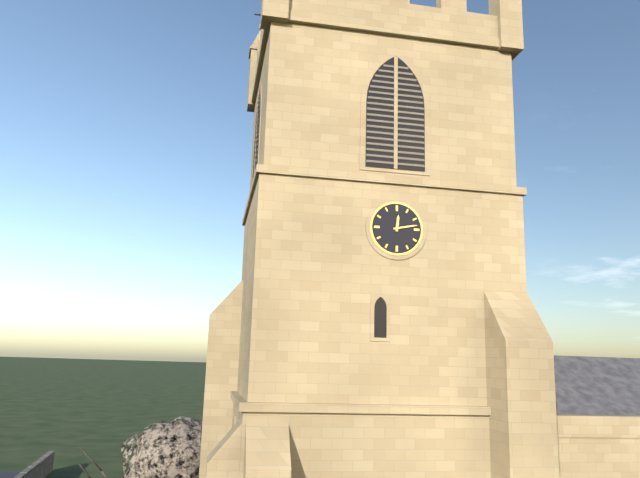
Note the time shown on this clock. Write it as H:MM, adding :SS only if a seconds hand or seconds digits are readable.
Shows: 12:13
